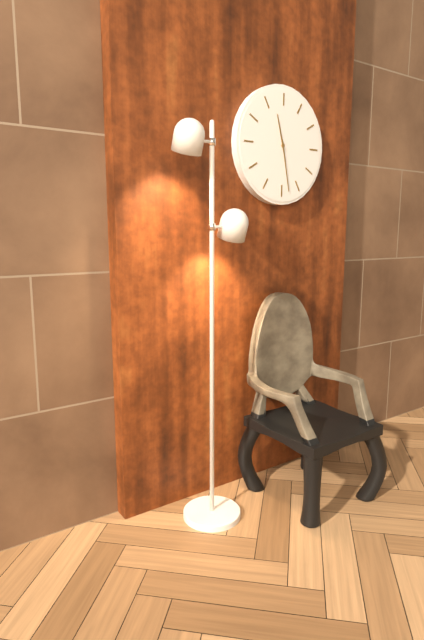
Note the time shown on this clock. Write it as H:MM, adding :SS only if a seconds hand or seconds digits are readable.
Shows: 11:28
